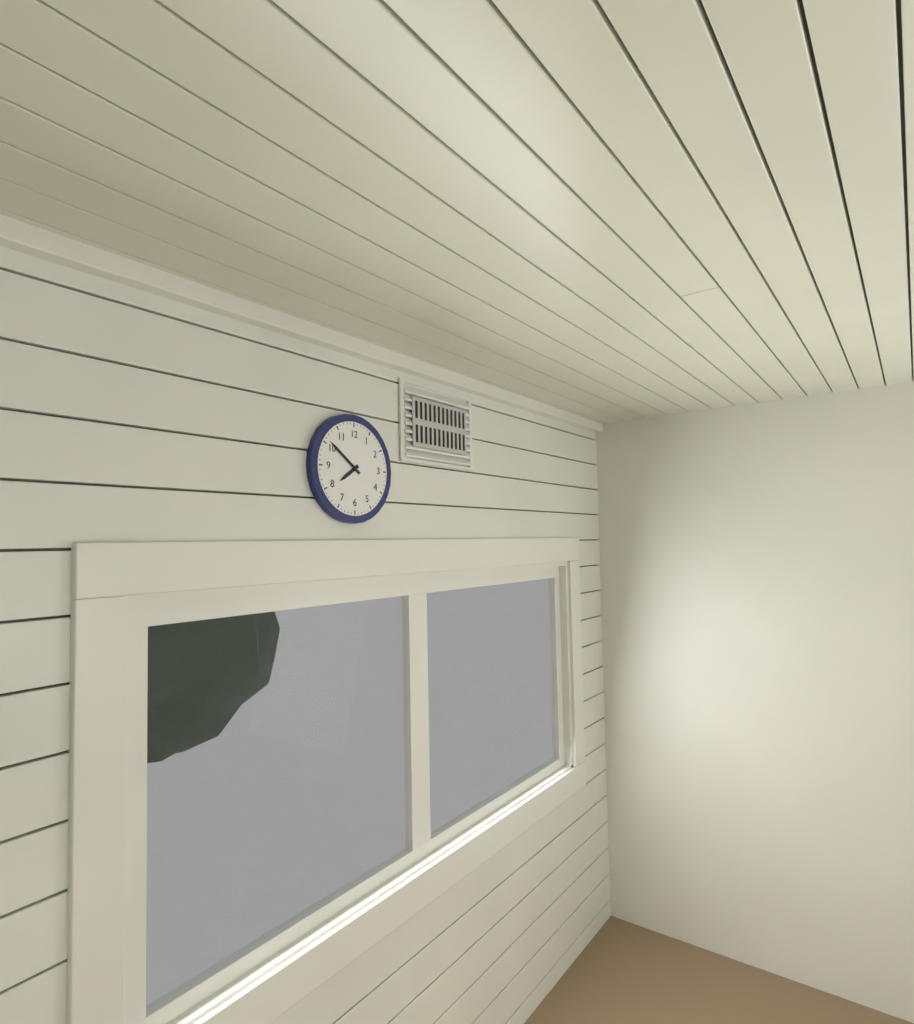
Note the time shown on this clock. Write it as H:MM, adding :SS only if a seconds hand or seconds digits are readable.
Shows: 7:51
